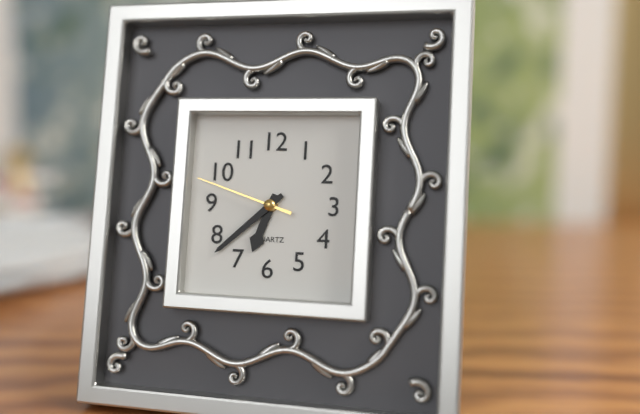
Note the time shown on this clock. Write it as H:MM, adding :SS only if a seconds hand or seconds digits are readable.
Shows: 6:38:48
